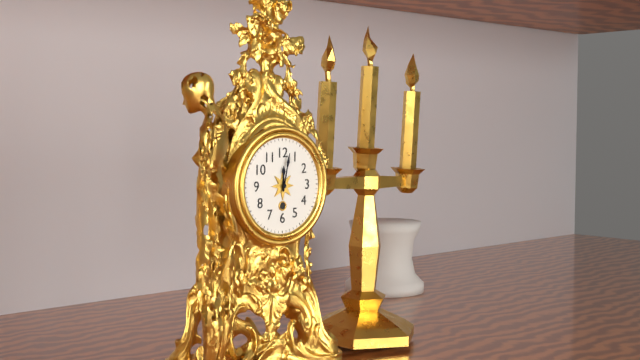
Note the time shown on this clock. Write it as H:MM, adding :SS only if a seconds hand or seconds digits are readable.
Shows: 12:02
